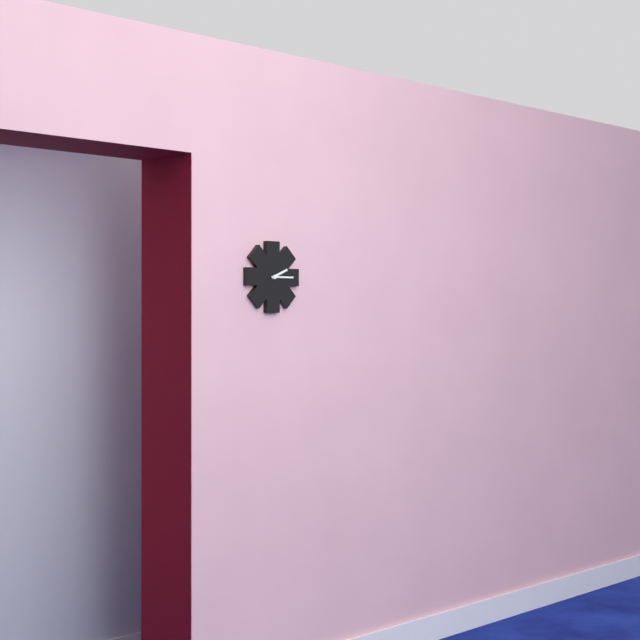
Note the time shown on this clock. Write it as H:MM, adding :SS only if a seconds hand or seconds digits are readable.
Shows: 2:15
